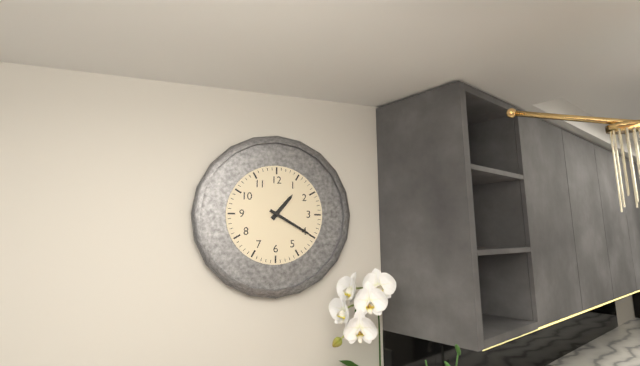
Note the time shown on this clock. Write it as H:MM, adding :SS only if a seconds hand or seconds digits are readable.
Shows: 1:20
